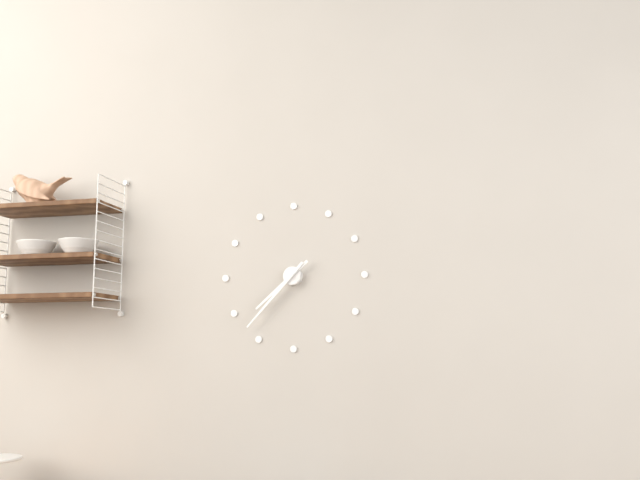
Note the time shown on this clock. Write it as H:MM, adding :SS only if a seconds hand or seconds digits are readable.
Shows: 7:37
